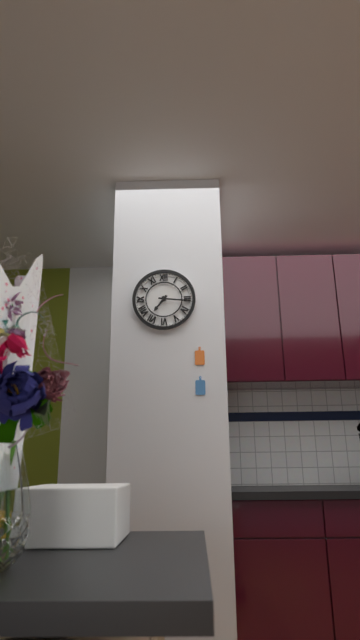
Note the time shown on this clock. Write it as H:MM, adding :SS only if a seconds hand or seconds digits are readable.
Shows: 7:16
